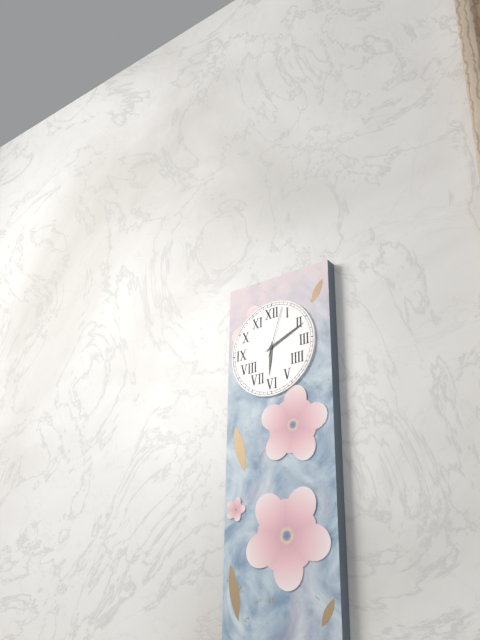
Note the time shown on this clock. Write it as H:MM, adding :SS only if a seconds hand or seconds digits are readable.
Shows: 6:11:03
